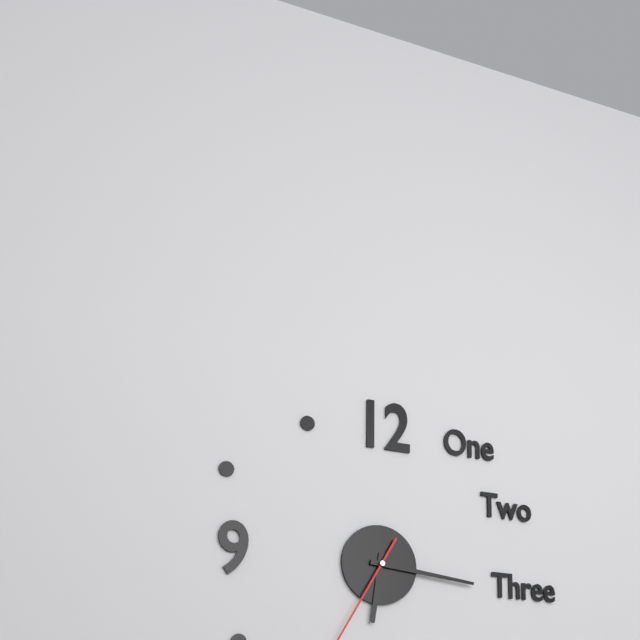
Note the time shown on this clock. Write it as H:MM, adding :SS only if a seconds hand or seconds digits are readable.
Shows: 6:16
